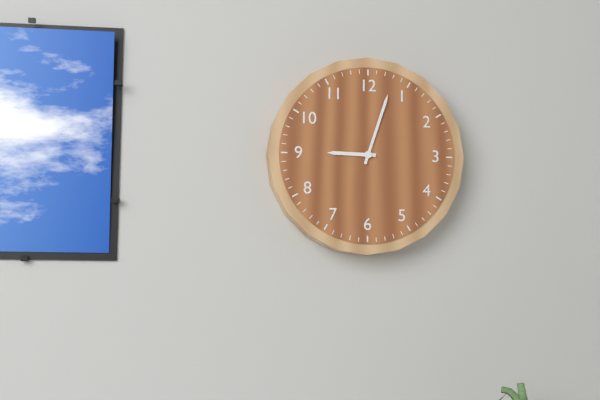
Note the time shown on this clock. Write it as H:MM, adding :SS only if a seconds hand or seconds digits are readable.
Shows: 9:03
